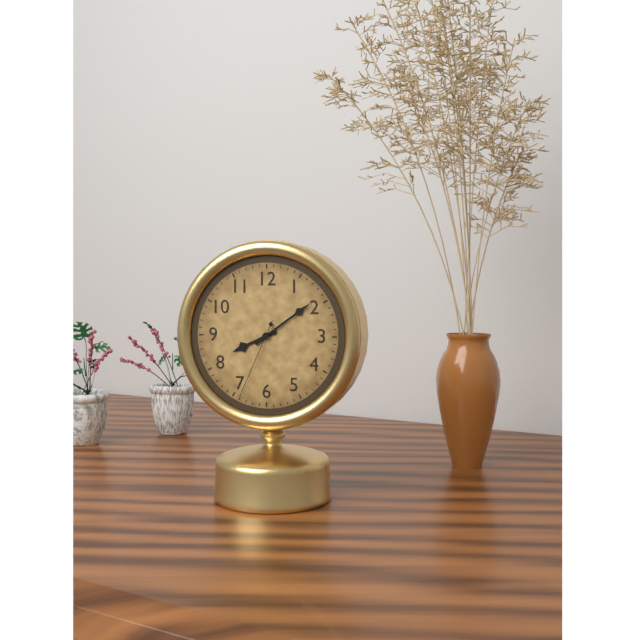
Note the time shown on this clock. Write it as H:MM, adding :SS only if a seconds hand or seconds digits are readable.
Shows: 8:09:34
